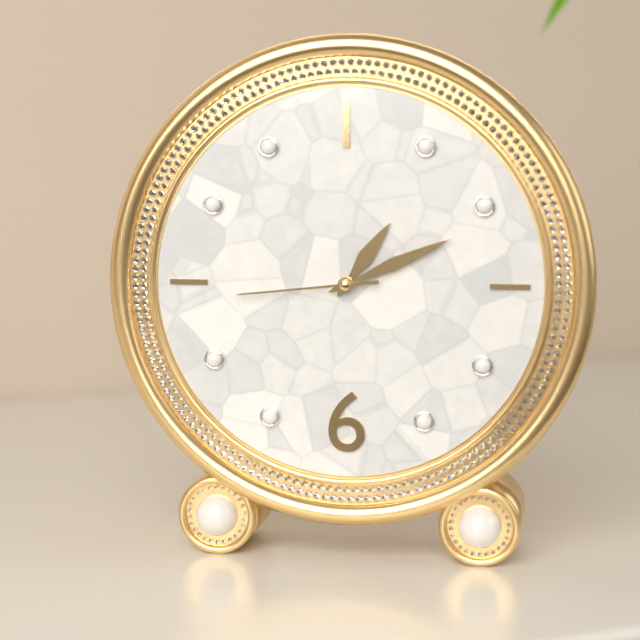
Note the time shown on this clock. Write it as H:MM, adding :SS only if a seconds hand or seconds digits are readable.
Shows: 1:11:44
